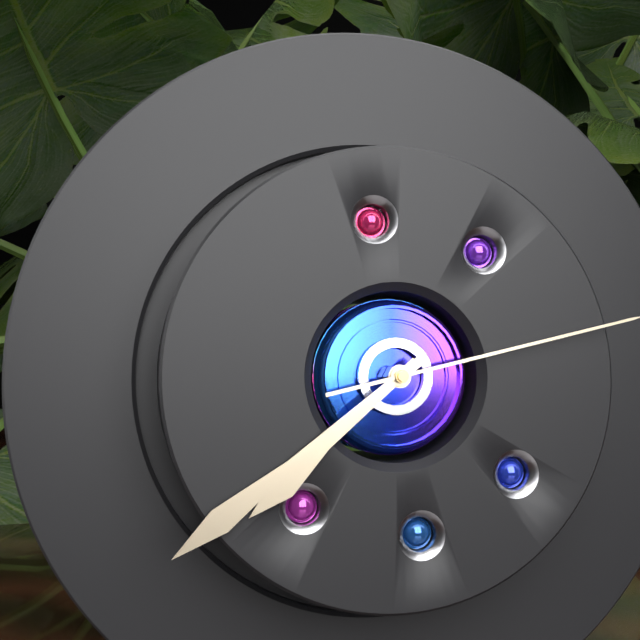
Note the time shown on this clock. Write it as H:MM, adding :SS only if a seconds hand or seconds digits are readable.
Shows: 7:39
